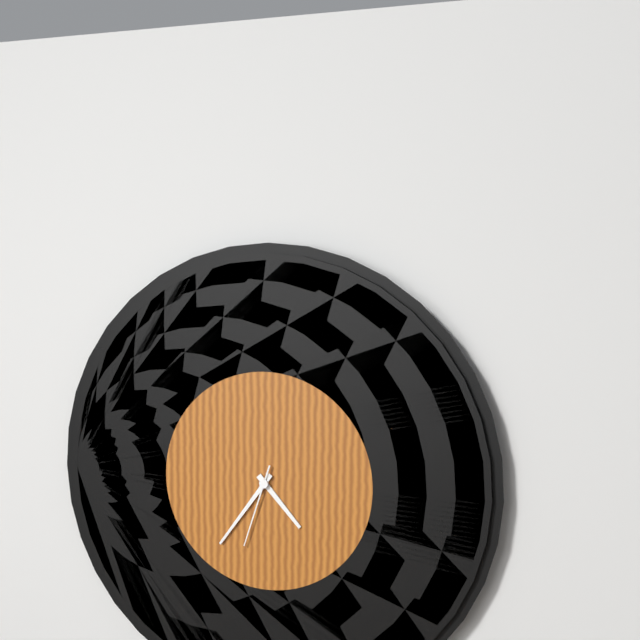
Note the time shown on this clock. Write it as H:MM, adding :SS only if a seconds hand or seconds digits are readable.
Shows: 4:36:33
